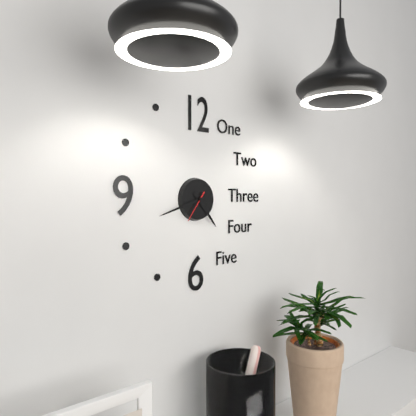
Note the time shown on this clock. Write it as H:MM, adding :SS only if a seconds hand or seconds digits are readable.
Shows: 4:42
